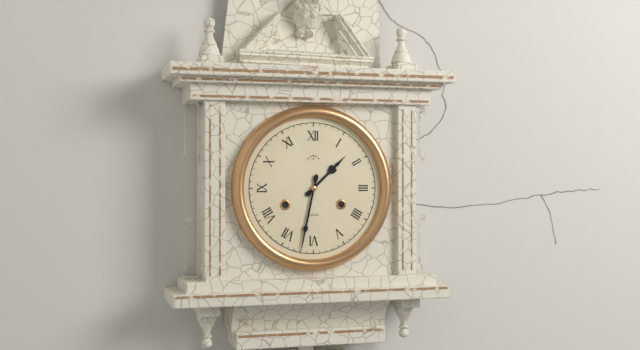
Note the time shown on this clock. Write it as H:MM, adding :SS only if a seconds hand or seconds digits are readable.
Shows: 1:32
